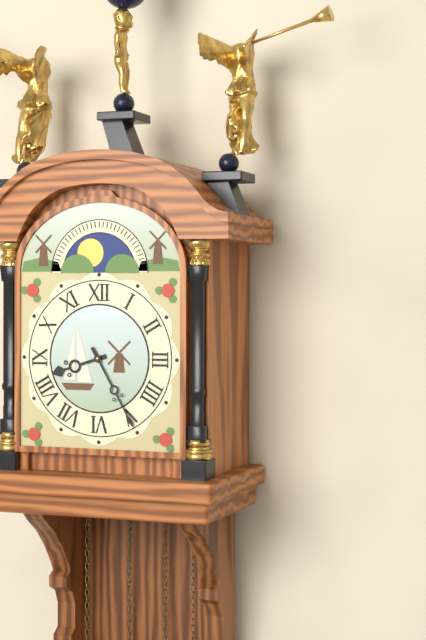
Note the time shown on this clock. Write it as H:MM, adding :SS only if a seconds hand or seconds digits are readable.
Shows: 8:25
